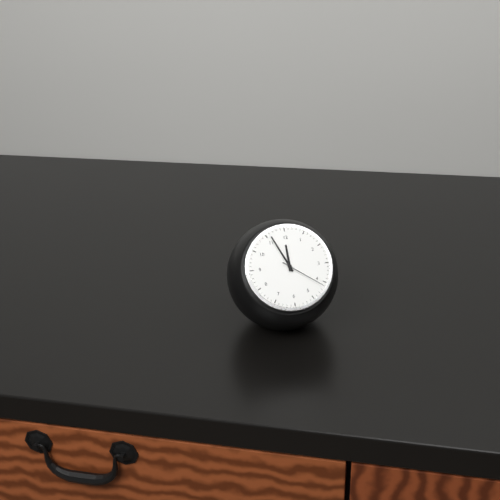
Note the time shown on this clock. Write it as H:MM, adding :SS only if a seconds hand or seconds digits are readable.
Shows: 11:56
